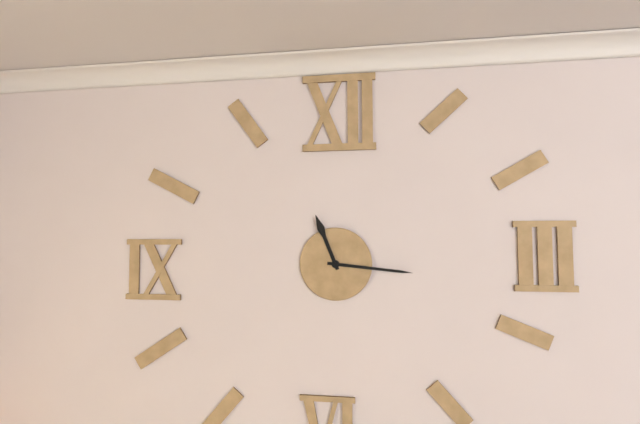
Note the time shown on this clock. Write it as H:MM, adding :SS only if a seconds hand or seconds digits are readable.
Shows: 11:16
